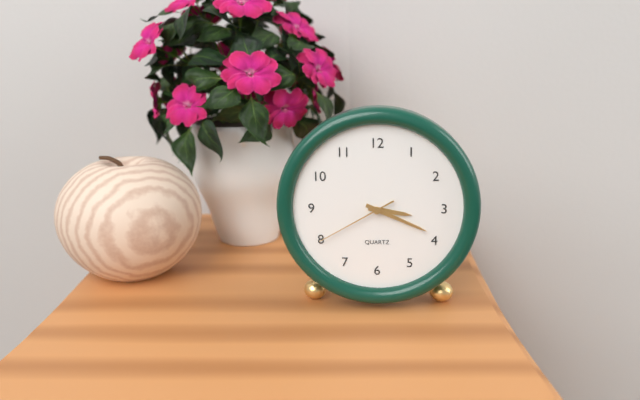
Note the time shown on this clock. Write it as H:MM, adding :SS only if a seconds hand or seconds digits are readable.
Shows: 3:19:40
